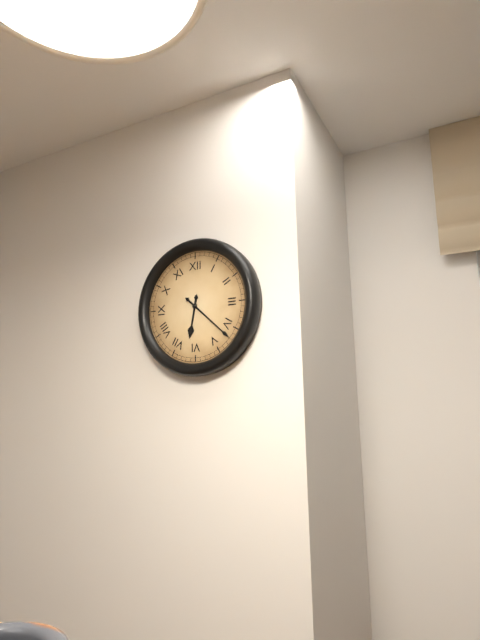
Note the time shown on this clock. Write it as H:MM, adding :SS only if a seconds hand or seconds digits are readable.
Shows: 6:22
